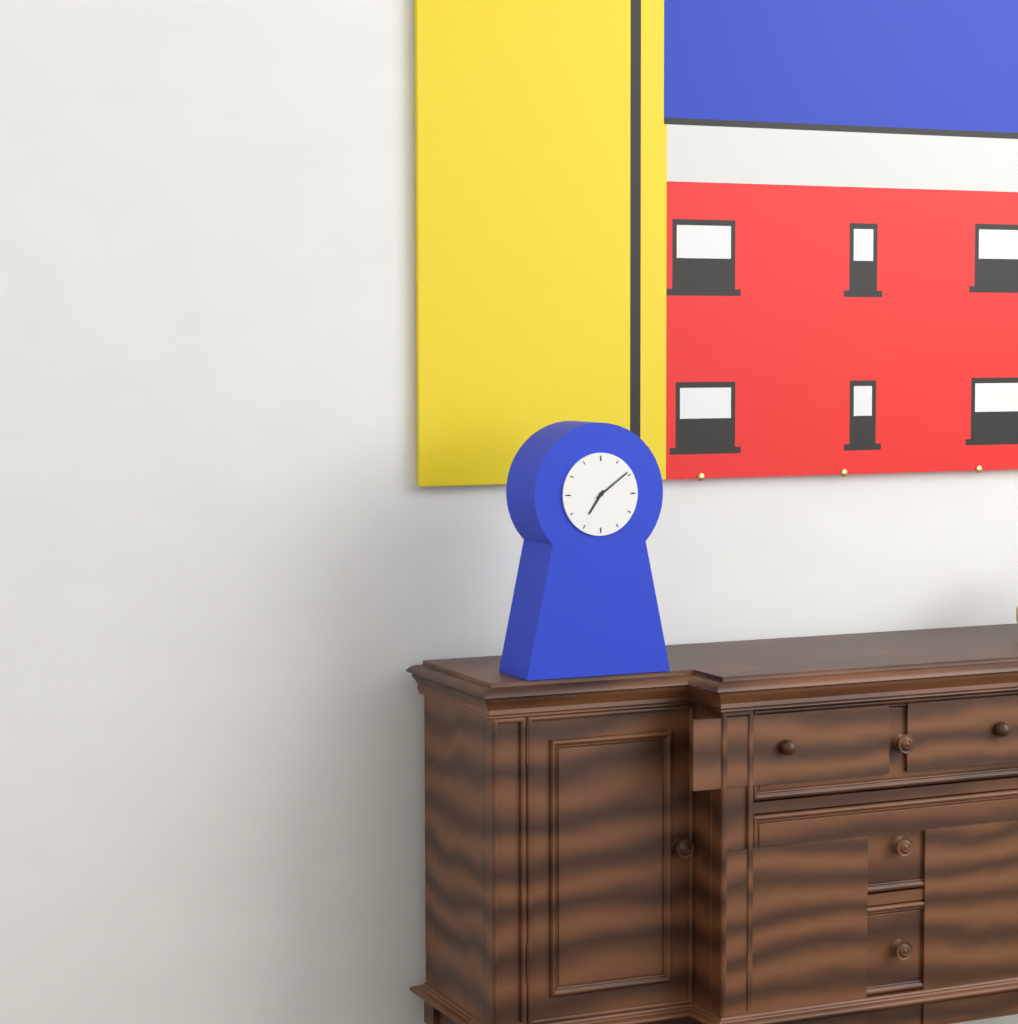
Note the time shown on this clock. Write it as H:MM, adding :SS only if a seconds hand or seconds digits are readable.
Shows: 7:09
